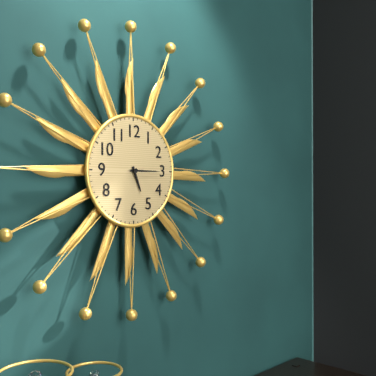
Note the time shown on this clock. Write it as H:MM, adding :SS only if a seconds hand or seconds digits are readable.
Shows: 5:15
